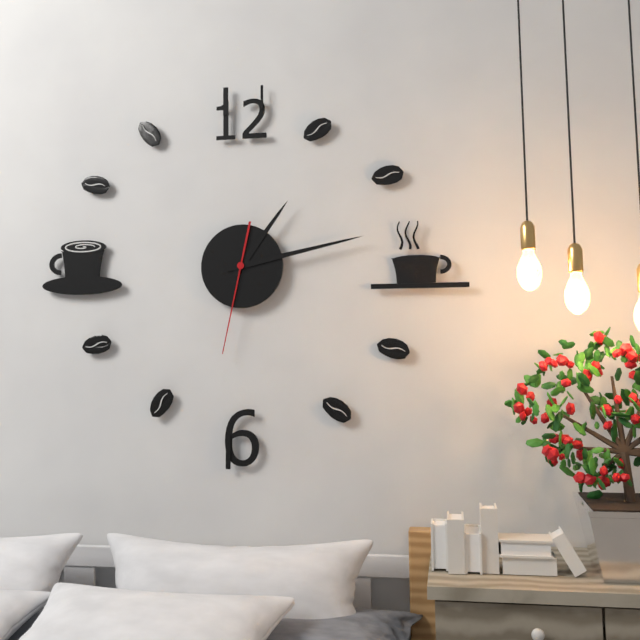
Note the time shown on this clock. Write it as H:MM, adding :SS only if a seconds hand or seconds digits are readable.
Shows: 1:13:32
